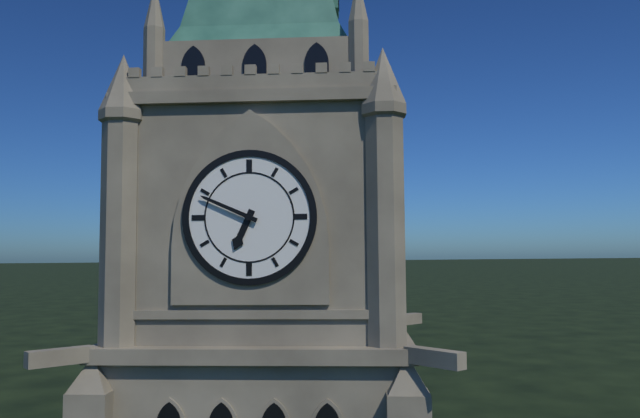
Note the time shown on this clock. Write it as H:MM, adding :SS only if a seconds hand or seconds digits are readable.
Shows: 6:49
